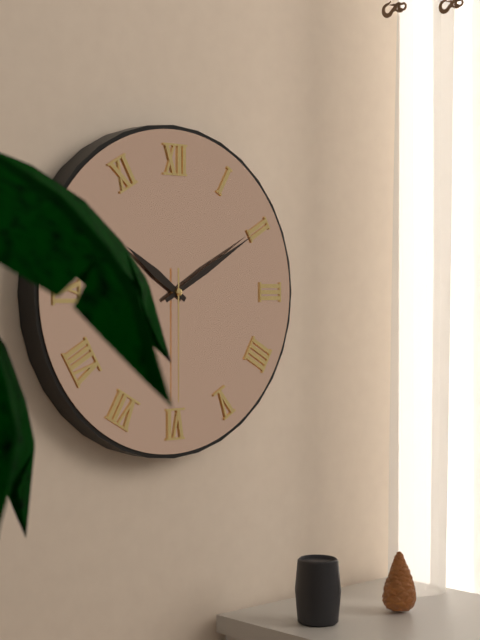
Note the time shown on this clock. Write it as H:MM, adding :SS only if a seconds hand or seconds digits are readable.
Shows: 10:10:30
